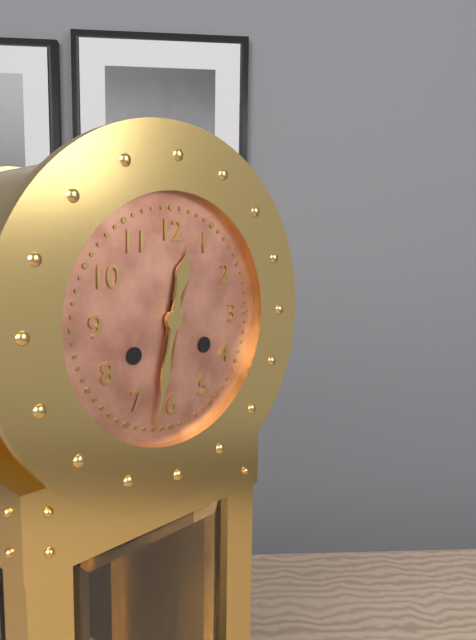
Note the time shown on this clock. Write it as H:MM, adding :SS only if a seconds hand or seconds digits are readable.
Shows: 12:32
